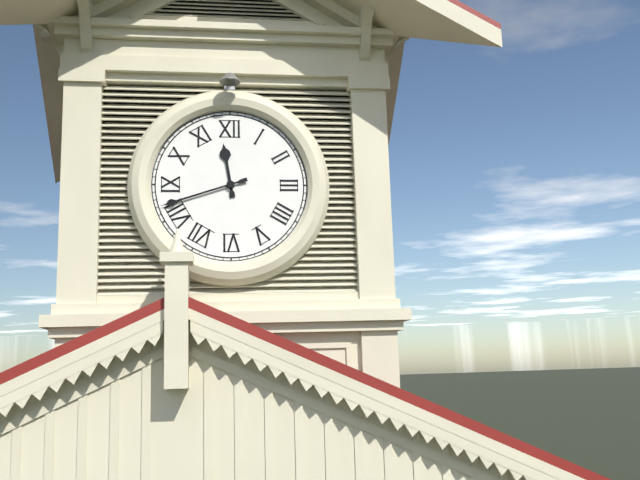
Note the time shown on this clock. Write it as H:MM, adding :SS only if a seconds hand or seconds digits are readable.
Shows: 11:42
